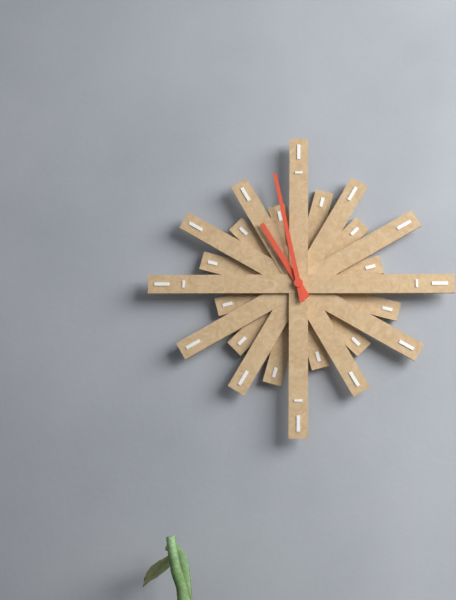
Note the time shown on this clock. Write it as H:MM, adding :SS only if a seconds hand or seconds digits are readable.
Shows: 10:58
